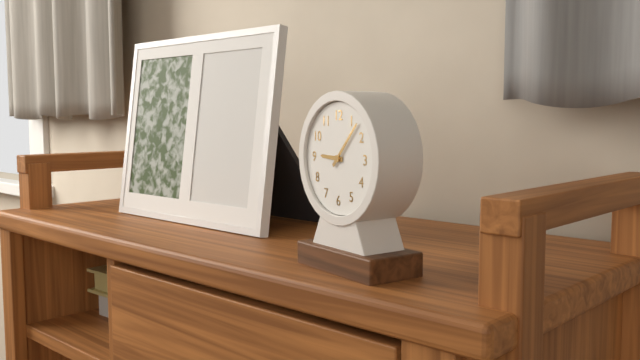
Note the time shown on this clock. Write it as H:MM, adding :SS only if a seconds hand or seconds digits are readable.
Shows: 9:07
